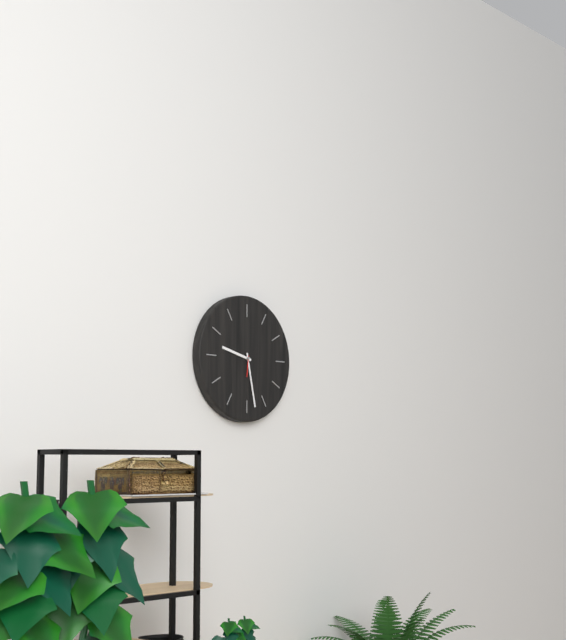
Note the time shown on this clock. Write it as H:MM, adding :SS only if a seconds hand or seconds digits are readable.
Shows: 9:28
